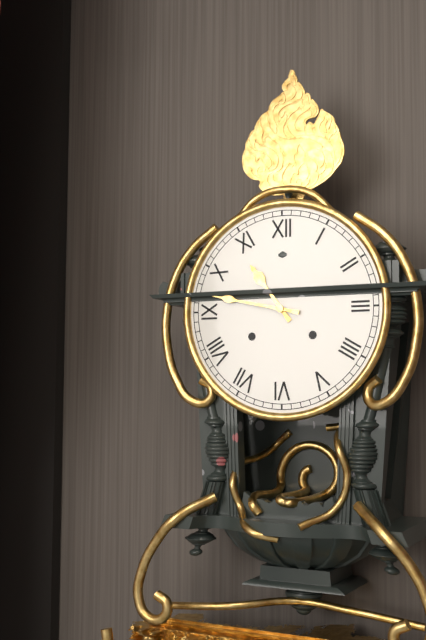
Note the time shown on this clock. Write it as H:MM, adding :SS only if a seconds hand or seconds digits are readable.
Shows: 10:47
